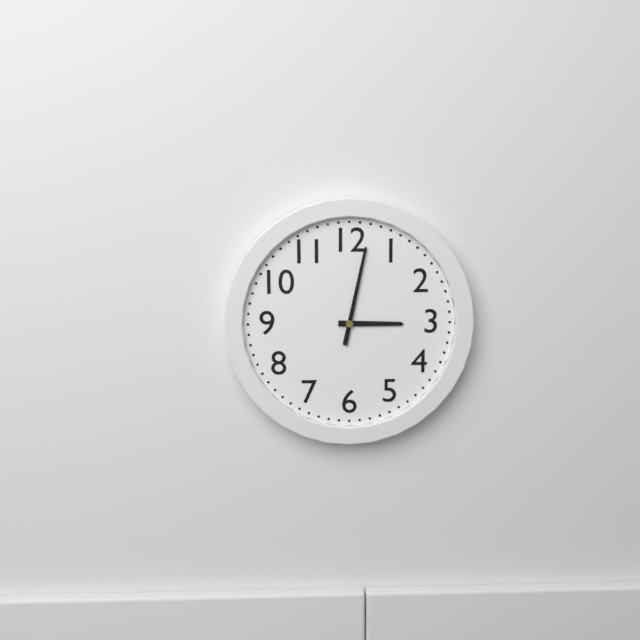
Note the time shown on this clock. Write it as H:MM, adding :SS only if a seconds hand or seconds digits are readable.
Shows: 3:02
